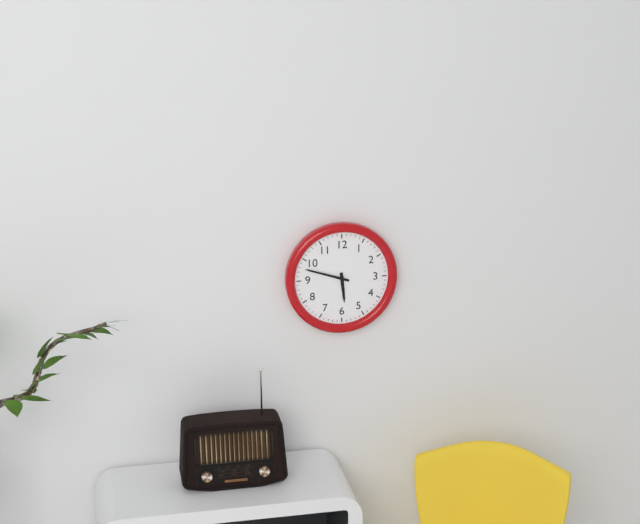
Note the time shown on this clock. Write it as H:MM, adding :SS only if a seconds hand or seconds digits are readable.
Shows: 5:48
